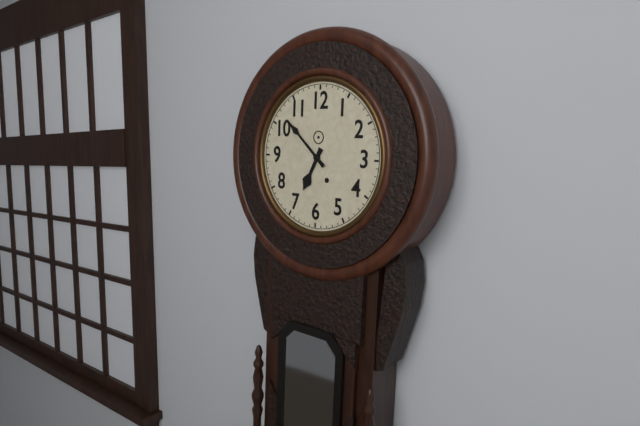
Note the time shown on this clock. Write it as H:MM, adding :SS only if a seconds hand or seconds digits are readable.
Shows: 6:52
